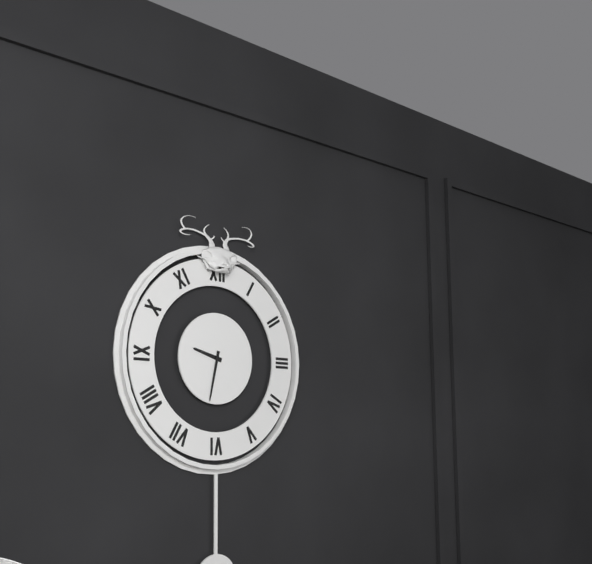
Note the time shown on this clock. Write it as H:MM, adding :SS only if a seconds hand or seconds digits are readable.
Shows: 9:32
